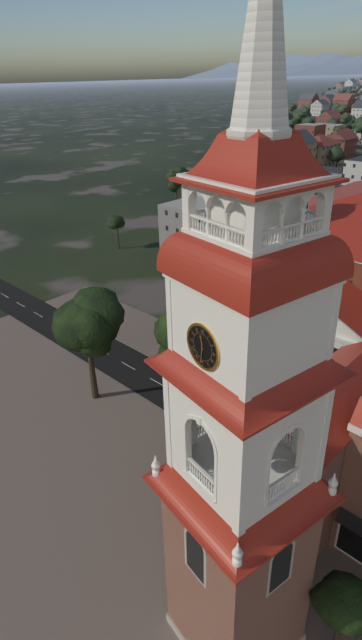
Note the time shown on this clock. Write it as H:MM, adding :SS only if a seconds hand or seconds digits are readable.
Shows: 11:31
